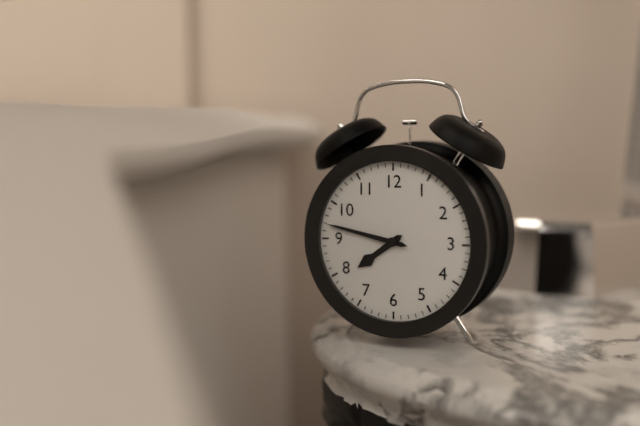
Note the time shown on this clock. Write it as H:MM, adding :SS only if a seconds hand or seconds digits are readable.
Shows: 7:47
